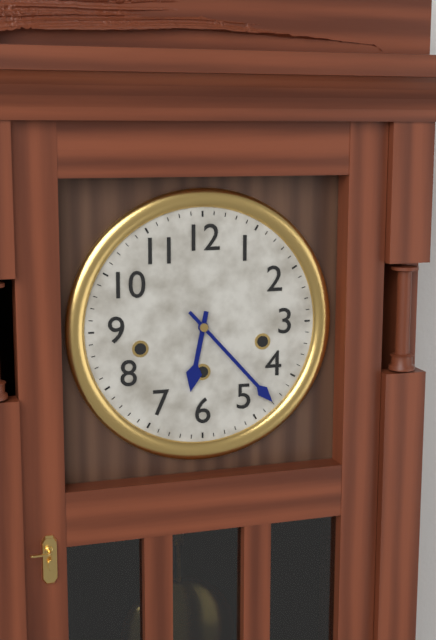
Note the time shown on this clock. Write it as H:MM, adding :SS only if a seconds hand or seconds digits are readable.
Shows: 6:23
